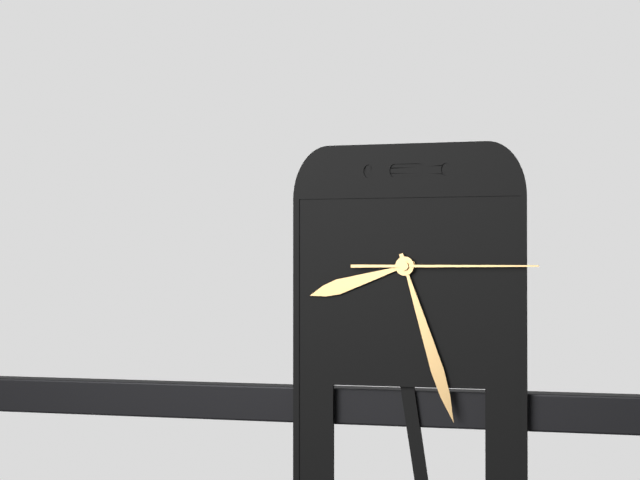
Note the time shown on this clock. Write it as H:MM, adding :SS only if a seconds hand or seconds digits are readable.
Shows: 8:27:15
